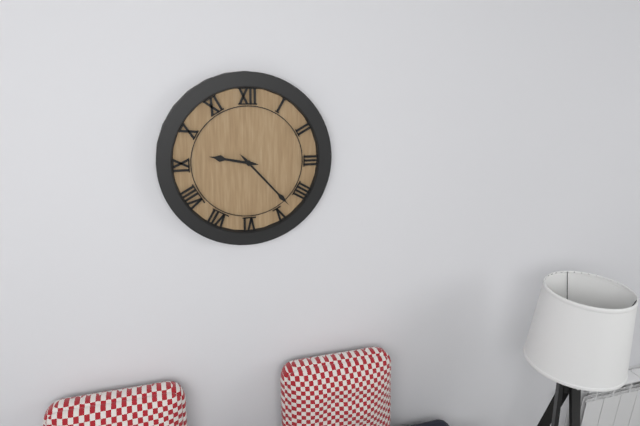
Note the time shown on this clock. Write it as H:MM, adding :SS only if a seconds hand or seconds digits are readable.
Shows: 9:23
